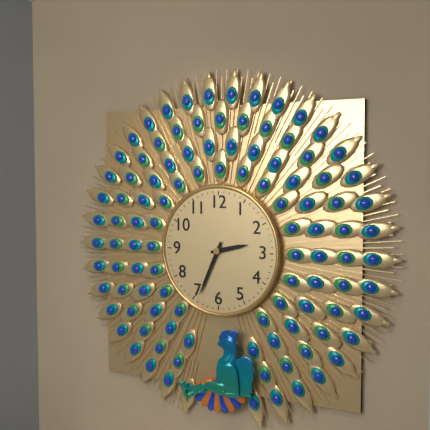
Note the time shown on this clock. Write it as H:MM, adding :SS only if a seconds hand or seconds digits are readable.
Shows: 2:34
